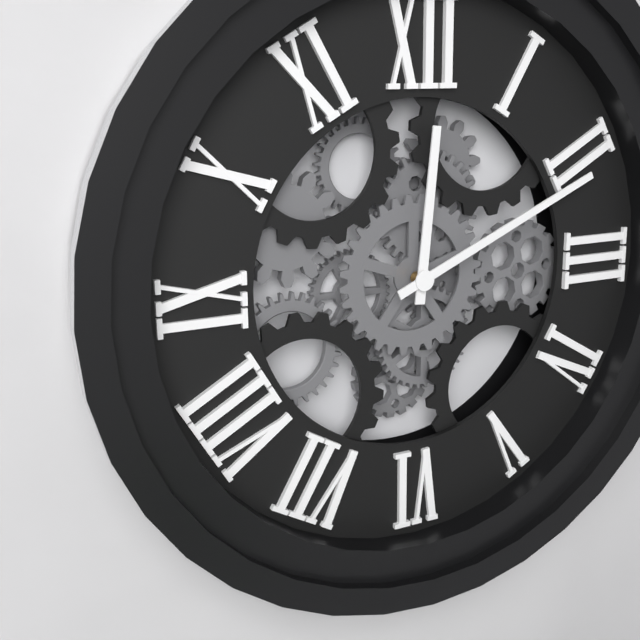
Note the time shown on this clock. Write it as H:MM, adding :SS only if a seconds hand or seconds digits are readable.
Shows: 12:11
